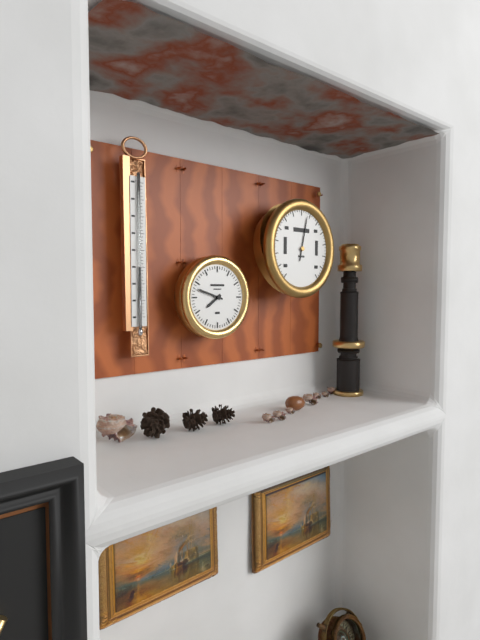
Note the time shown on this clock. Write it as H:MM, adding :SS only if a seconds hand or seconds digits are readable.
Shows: 7:48
